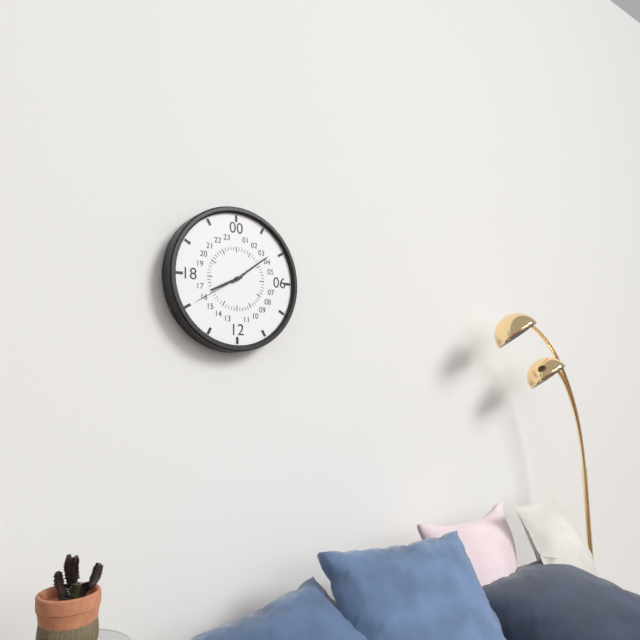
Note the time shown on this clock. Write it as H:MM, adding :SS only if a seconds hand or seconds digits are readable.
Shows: 8:09:40
